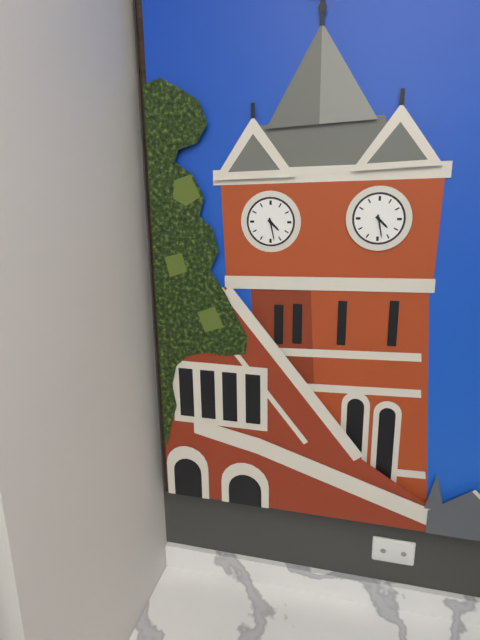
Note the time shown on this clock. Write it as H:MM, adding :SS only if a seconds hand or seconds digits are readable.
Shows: 4:28
